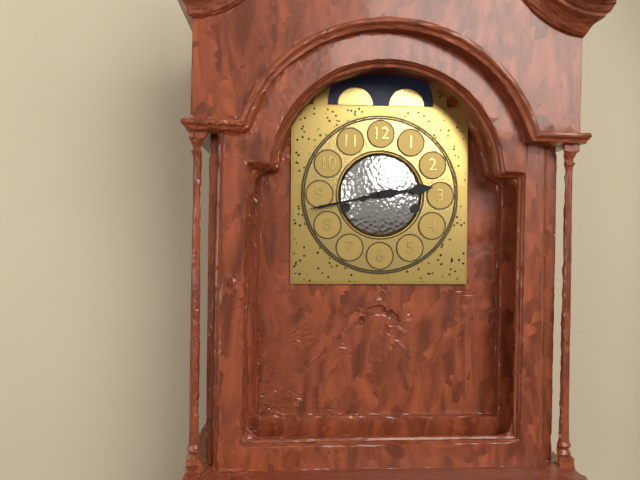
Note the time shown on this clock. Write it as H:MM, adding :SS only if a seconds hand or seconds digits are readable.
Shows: 2:43
